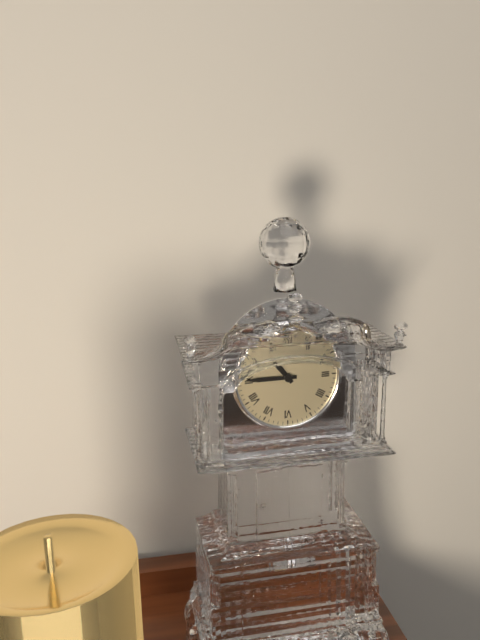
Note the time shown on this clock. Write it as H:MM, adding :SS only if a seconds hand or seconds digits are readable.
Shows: 10:45
